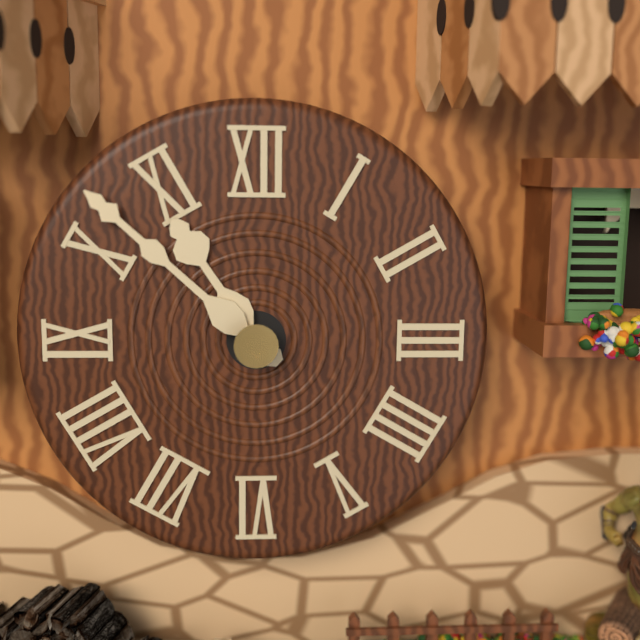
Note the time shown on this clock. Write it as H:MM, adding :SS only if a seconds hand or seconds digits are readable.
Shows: 10:52
